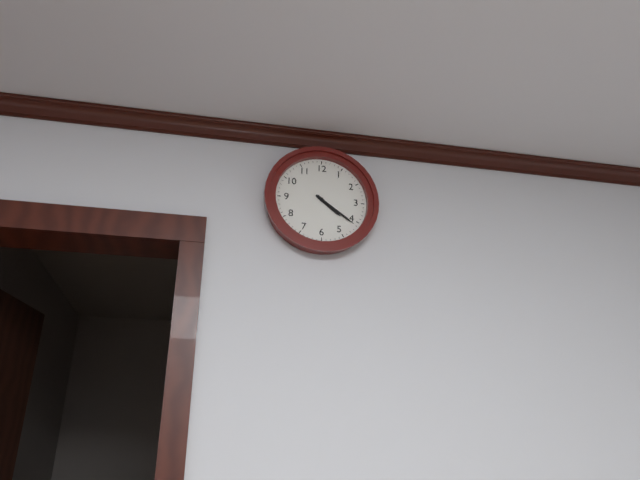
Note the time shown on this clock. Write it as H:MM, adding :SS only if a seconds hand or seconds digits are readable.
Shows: 4:21
